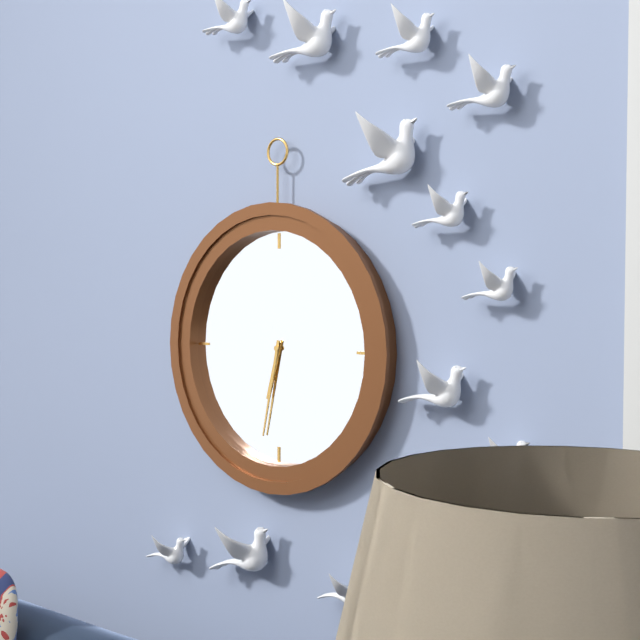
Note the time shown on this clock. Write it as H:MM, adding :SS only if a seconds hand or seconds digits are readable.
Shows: 6:32
